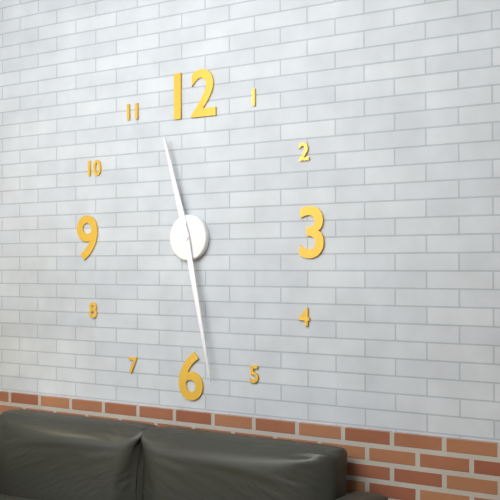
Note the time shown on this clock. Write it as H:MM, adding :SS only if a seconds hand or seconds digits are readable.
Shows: 11:28
